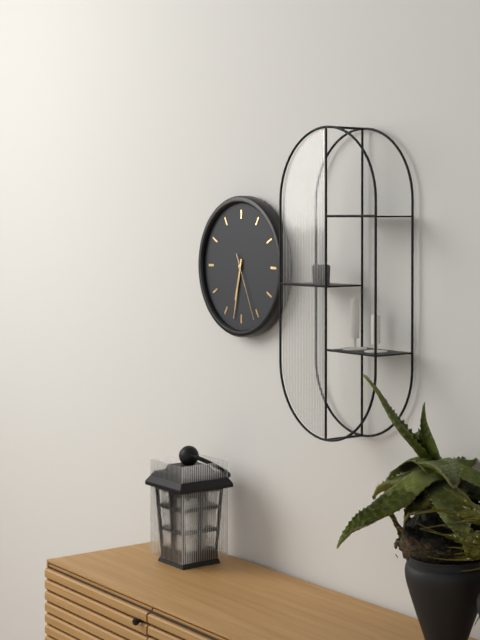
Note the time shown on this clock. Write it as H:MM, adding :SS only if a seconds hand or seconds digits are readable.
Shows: 6:32:26
